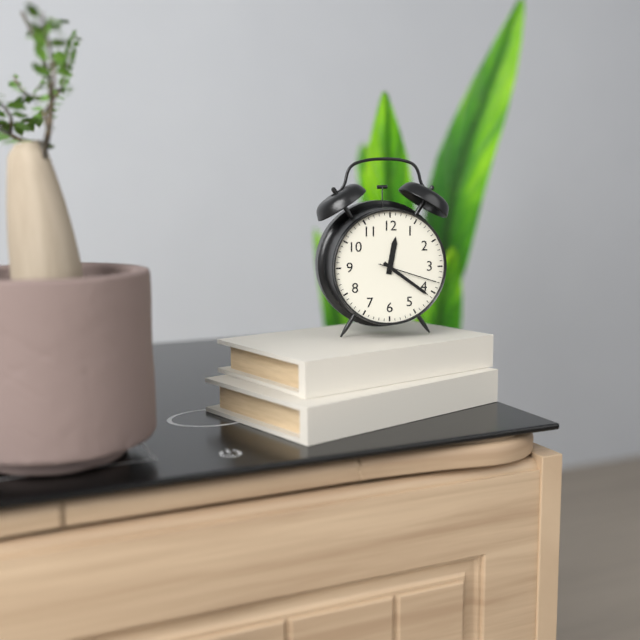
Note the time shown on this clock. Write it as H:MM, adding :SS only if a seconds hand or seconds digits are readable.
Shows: 12:21:18
